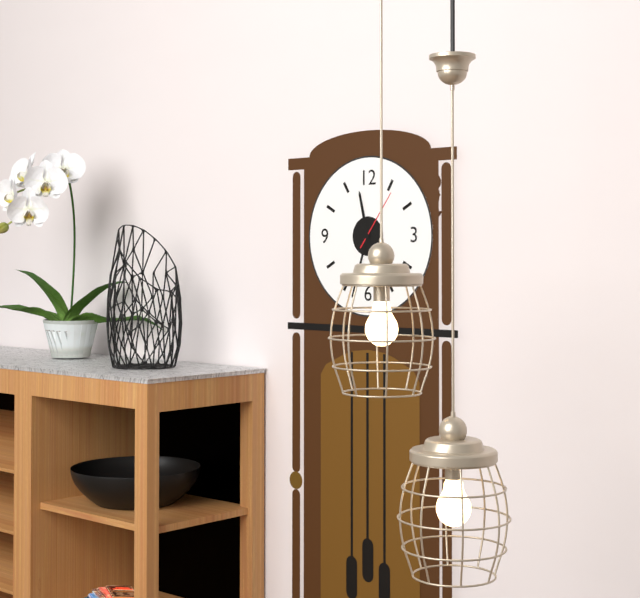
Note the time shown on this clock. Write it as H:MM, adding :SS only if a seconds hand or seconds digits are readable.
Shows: 11:33:06
